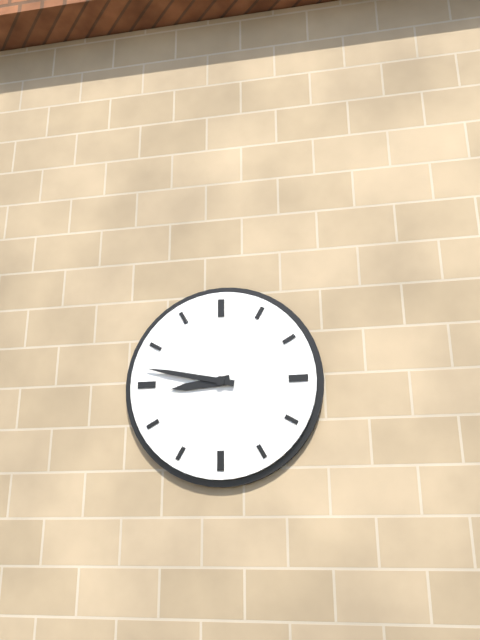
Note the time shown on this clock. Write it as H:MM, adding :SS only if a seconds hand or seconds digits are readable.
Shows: 8:47
